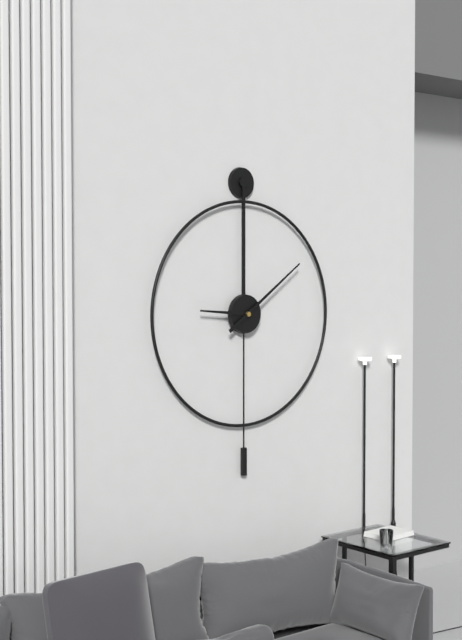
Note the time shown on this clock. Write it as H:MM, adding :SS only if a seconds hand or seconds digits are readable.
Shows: 9:09
